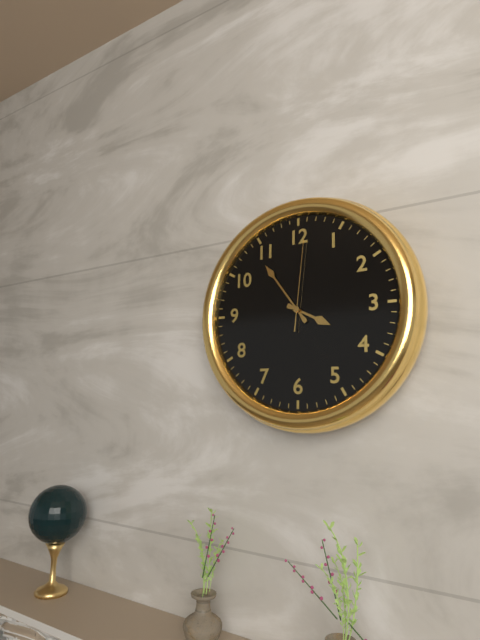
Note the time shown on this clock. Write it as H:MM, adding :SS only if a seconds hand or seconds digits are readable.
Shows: 3:54:01
